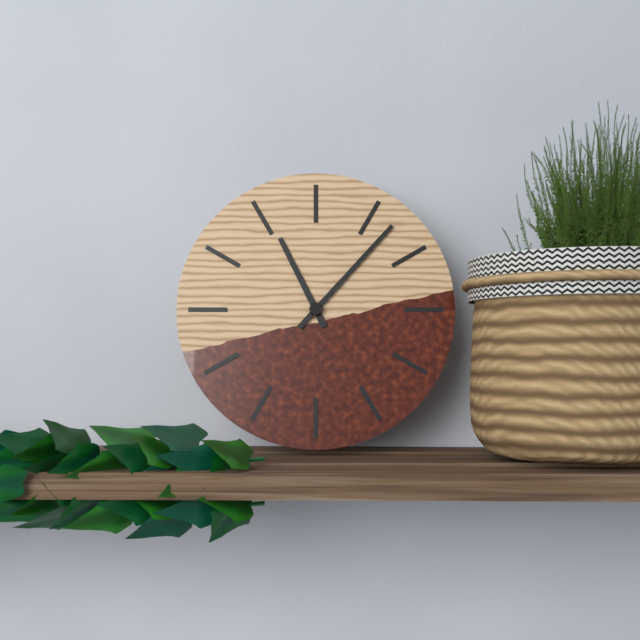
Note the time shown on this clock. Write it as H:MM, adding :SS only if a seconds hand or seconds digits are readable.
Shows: 11:07
